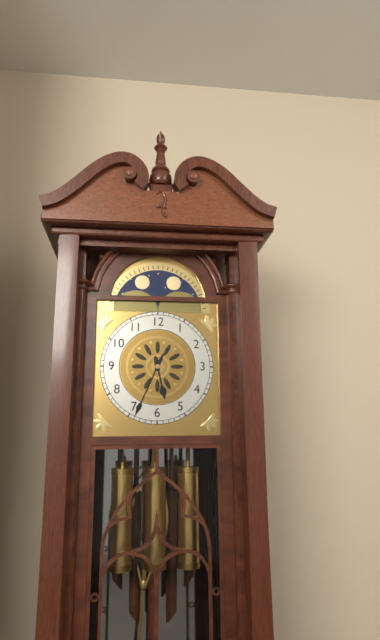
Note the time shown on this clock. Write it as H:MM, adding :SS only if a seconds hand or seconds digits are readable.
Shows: 5:34
